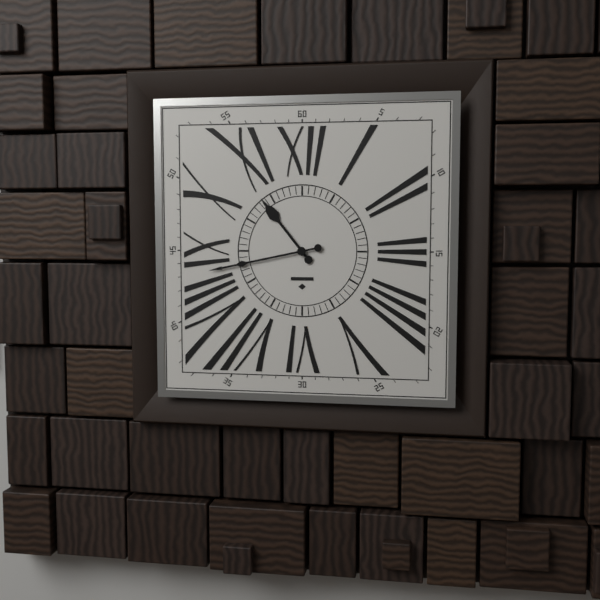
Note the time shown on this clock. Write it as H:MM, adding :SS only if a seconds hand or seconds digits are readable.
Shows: 10:43
